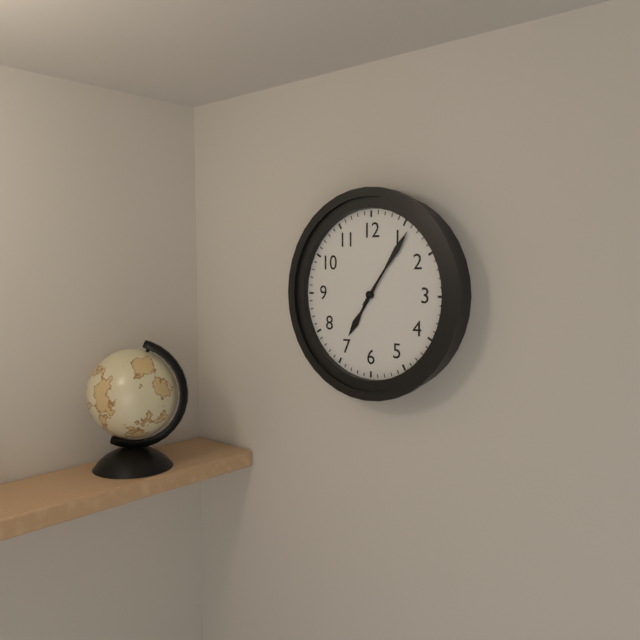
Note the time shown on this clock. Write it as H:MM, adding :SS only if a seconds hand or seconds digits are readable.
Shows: 7:06
